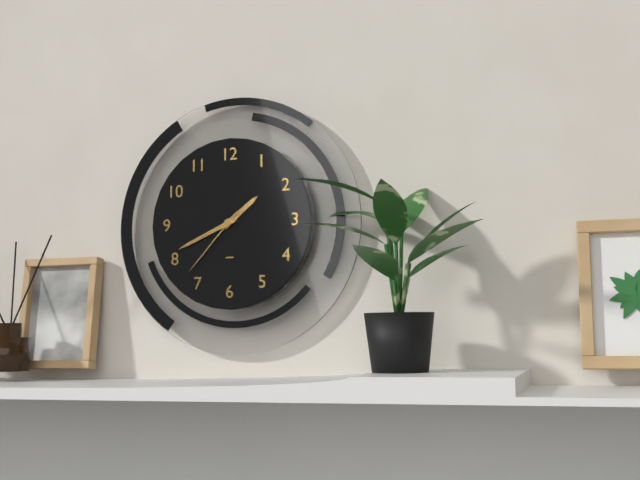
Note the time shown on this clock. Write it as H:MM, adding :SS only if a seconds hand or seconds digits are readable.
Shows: 1:41:37
